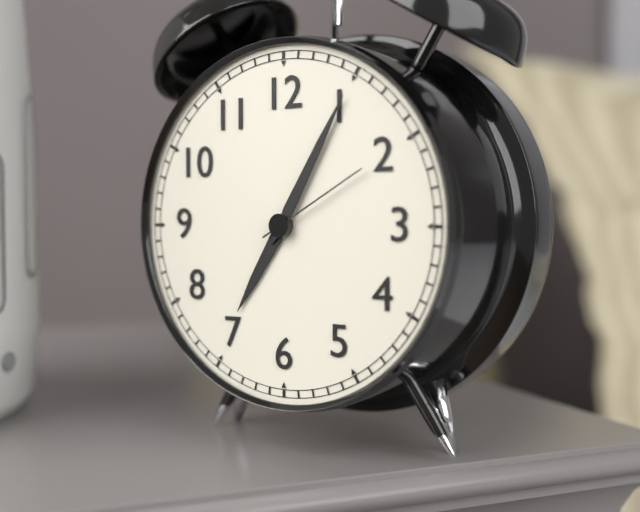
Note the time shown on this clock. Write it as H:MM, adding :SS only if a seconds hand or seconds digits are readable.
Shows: 7:05:10
